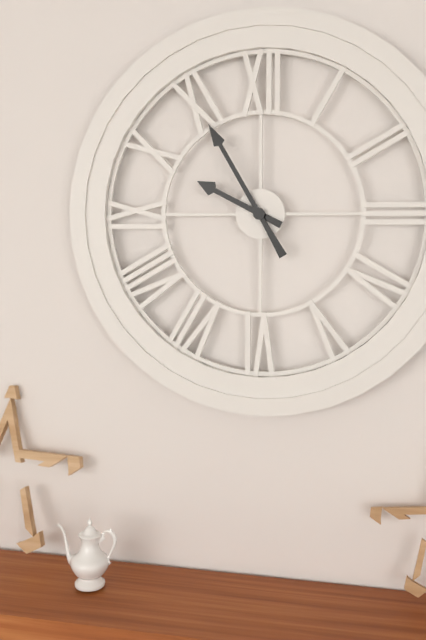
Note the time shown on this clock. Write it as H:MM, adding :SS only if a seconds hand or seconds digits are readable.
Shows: 9:55
